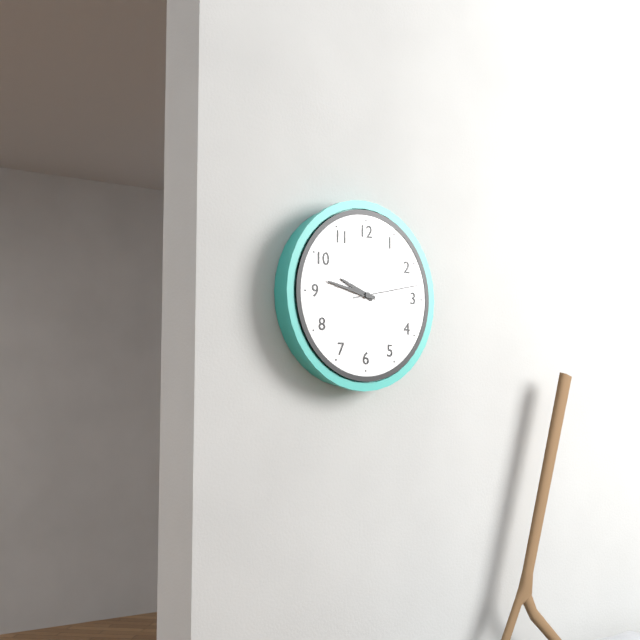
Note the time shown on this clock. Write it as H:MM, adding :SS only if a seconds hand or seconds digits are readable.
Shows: 9:47:13
